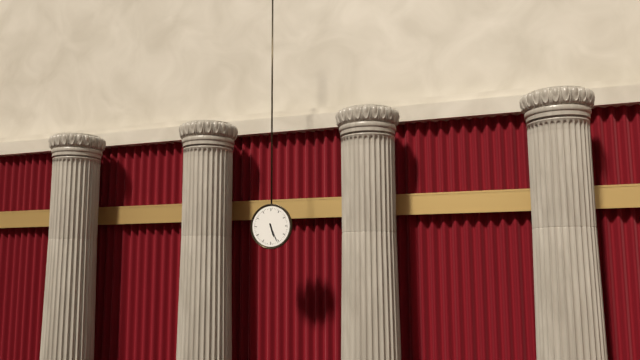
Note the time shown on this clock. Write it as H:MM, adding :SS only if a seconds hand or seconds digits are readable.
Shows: 5:26
